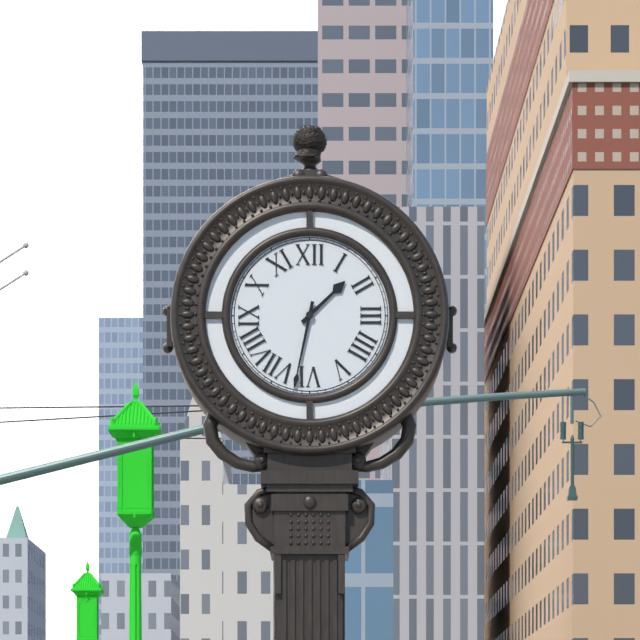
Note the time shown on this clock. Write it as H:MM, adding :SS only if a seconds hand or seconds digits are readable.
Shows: 1:32
